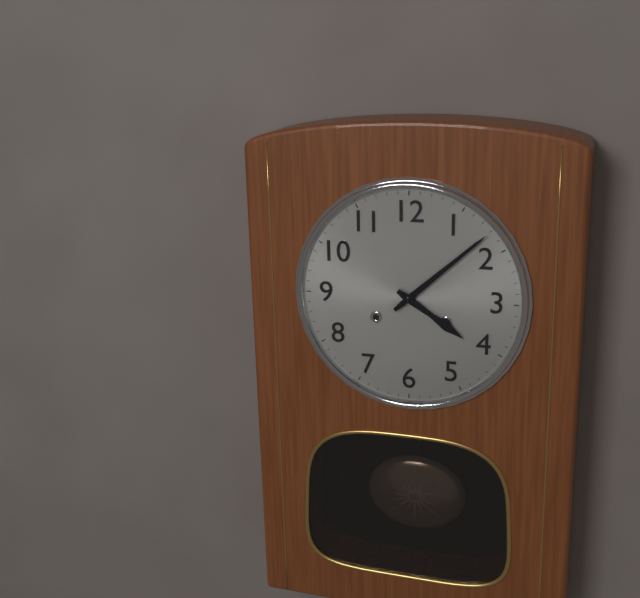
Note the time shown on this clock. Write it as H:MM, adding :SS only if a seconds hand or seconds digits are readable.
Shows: 4:08
